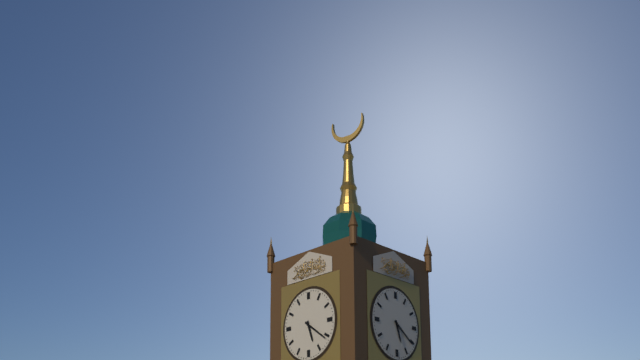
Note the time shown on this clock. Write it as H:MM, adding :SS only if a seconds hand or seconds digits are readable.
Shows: 5:21
